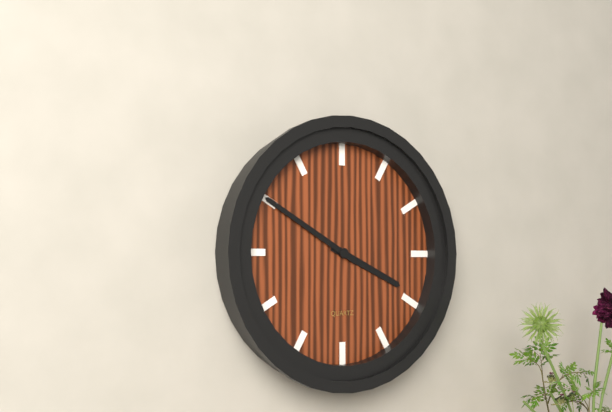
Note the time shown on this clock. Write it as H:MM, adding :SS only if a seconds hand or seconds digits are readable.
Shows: 3:50
